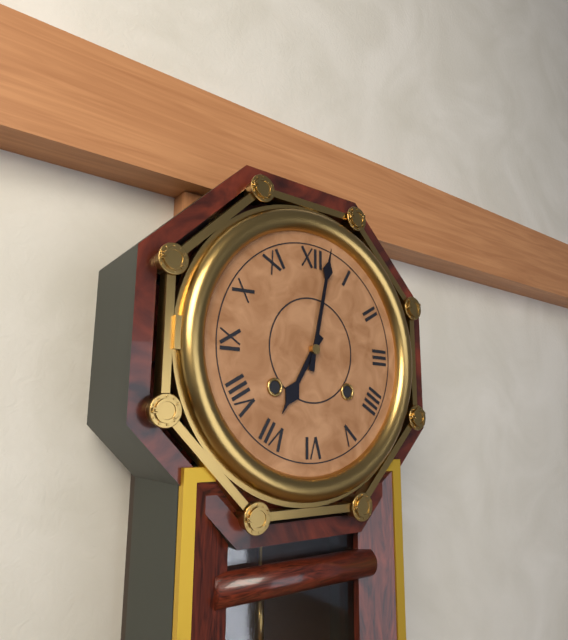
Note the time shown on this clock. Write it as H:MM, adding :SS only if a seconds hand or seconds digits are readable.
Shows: 7:02
